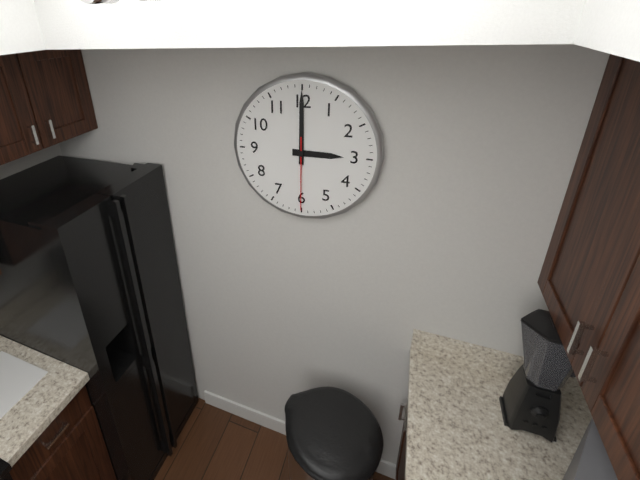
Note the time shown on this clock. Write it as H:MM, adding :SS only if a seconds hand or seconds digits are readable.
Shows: 3:00:30
